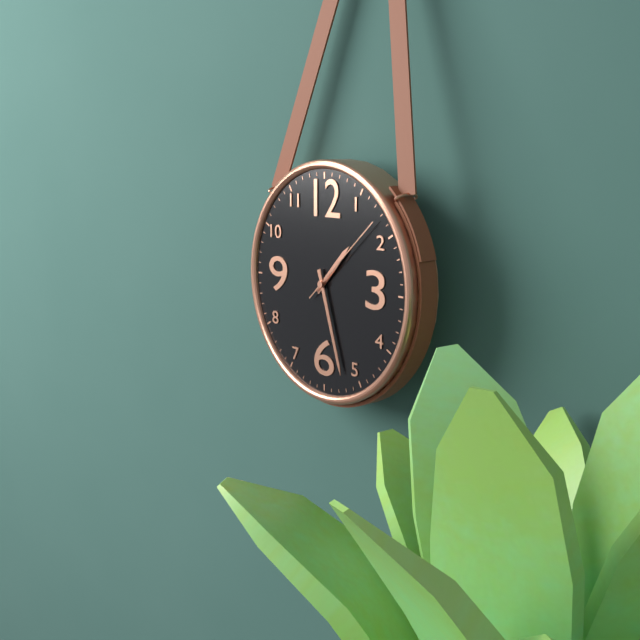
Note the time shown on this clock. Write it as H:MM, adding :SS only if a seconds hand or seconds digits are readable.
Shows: 1:27:08
